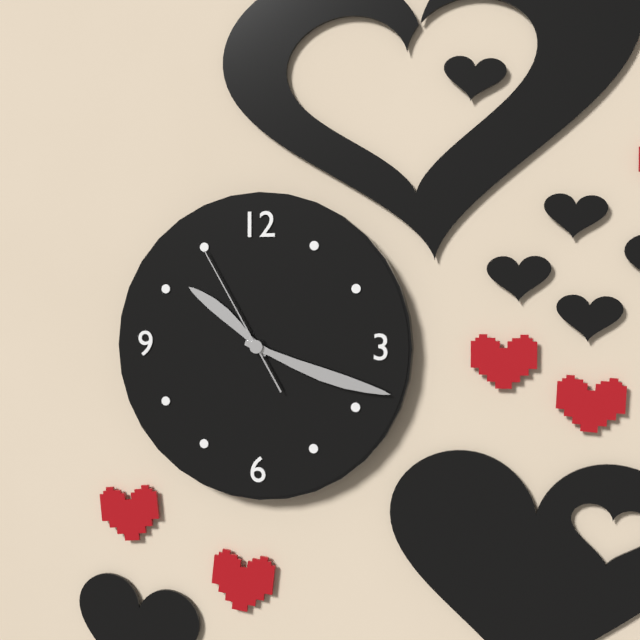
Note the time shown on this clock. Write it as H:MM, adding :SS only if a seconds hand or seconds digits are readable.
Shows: 10:18:55
